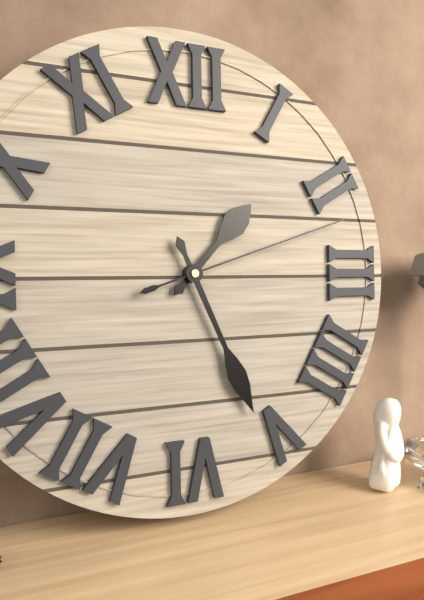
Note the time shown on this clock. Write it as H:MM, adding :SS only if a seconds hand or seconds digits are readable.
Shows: 1:26:12
